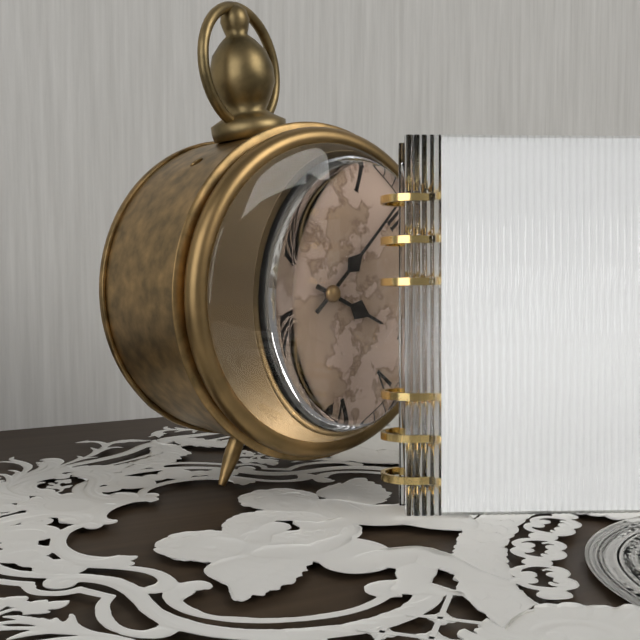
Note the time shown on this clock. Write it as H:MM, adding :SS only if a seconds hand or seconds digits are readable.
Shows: 4:09
